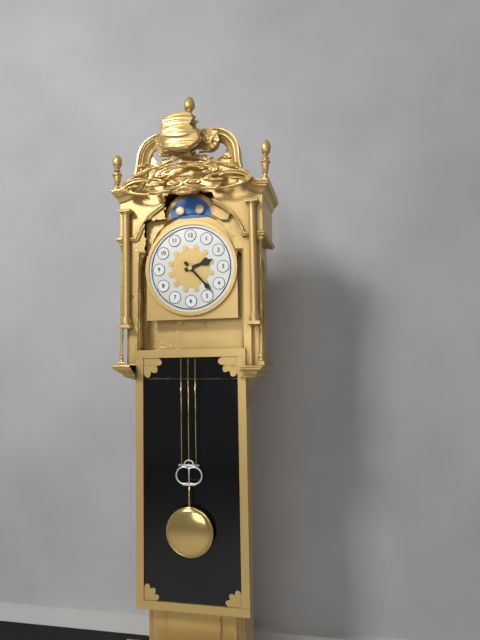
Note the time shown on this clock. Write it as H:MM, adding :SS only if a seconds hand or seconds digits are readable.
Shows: 2:23
